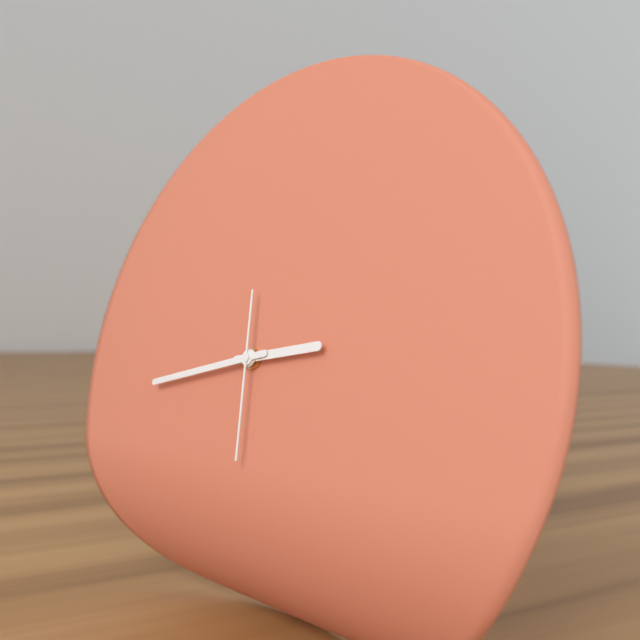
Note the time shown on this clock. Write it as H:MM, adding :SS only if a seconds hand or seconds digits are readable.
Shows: 2:43:29
